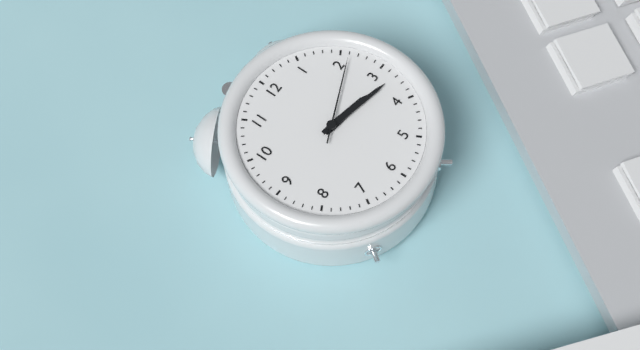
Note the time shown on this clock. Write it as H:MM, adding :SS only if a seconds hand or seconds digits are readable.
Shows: 3:17:11
